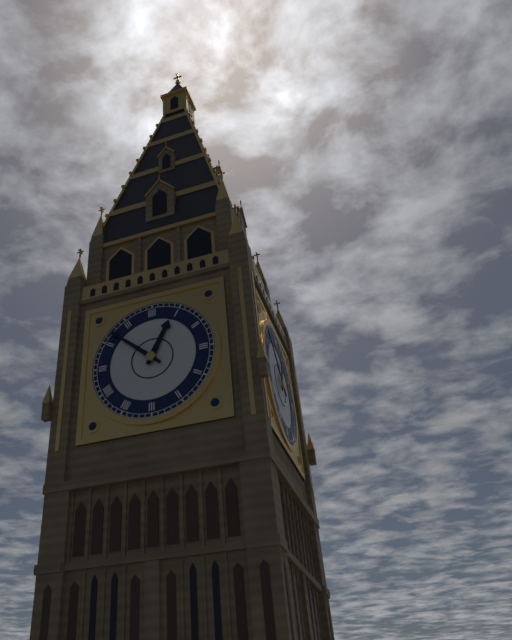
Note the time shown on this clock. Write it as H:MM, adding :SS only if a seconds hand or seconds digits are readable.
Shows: 12:52
